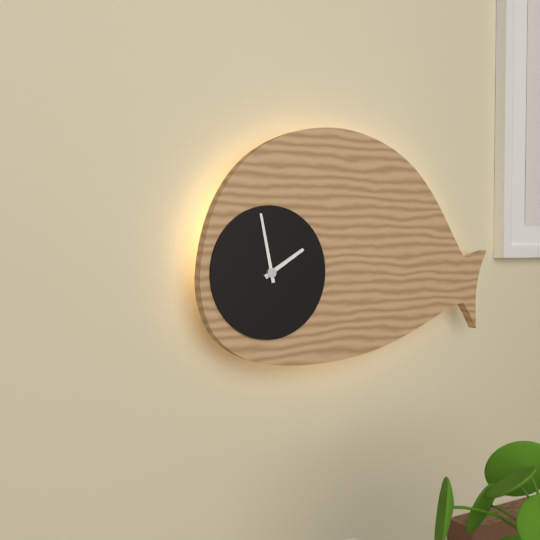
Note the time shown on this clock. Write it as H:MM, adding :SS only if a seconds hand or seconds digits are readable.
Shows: 1:58
